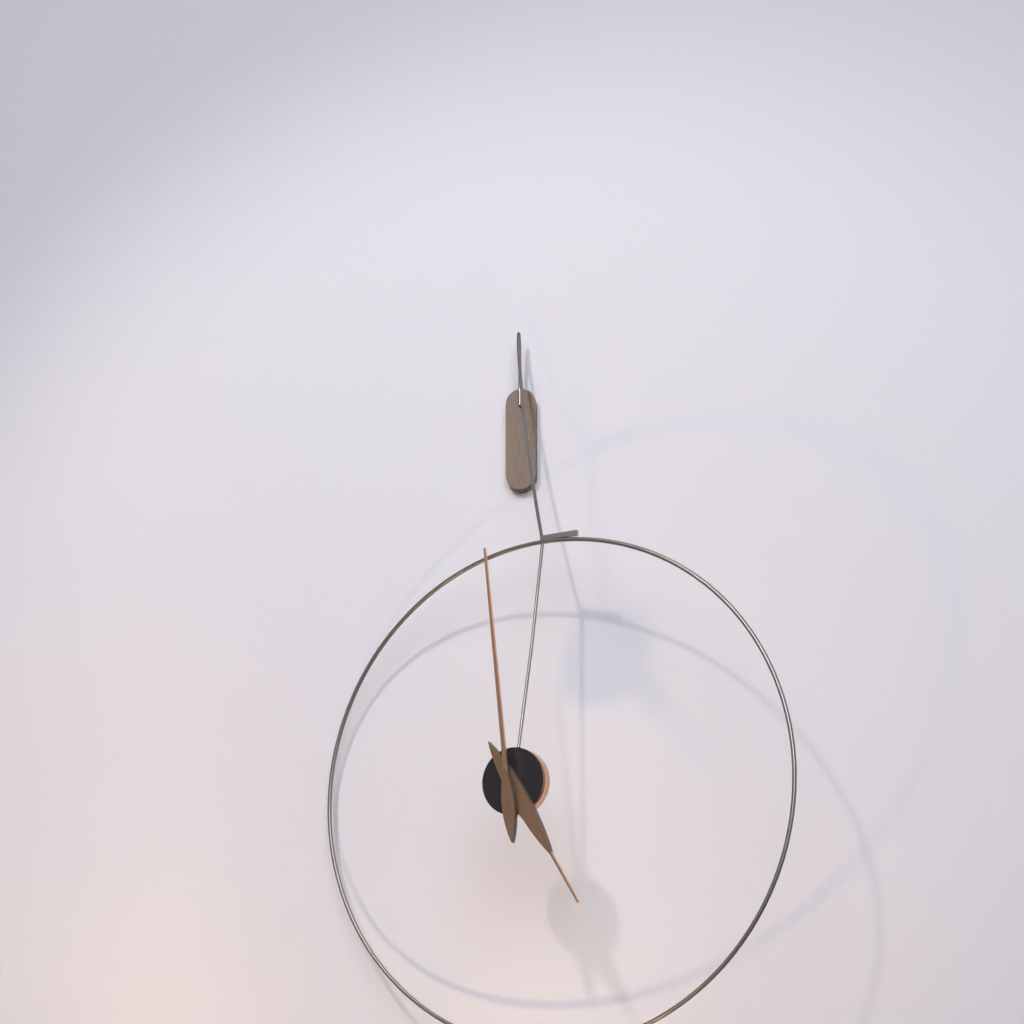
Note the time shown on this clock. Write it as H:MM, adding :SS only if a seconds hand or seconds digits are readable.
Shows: 4:59
